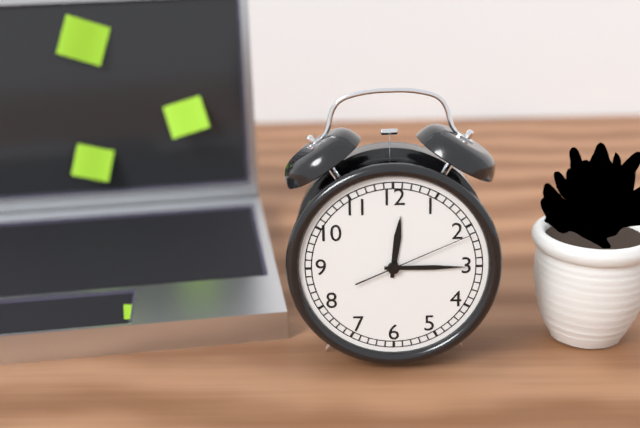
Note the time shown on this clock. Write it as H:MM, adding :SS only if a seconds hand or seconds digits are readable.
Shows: 12:15:11
